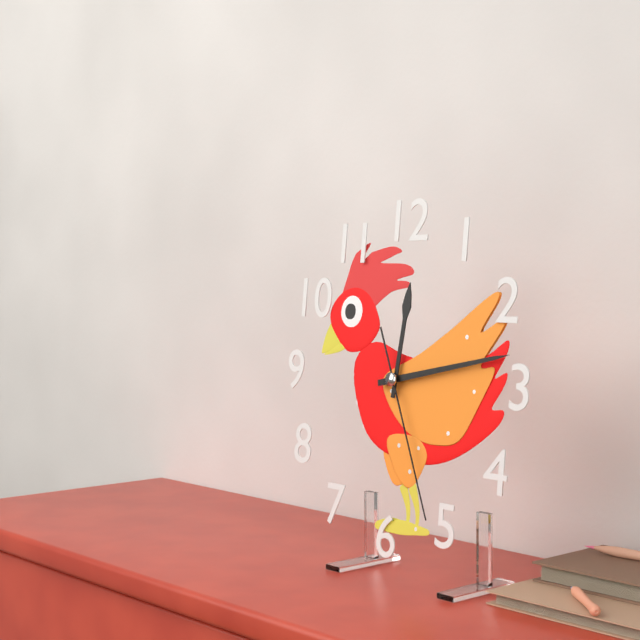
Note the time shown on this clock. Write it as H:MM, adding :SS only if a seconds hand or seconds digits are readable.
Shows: 12:13:26
